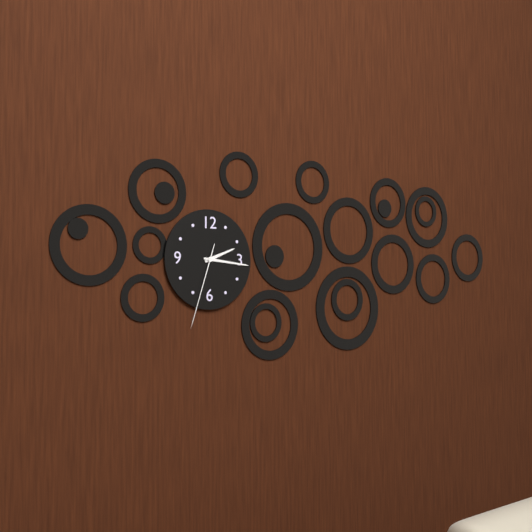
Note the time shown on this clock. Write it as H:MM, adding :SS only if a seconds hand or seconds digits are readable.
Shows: 2:16:33
